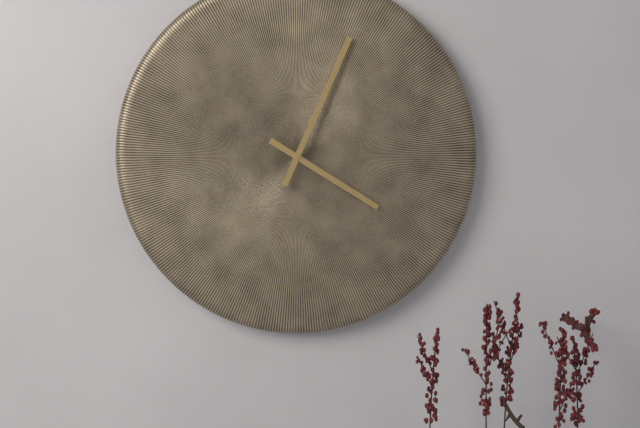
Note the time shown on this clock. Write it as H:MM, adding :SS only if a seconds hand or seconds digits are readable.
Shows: 4:04
